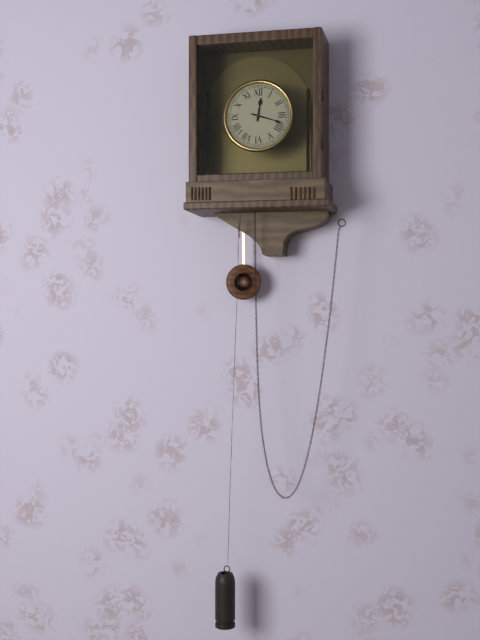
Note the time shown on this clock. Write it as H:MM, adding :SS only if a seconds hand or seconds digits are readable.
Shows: 12:18
